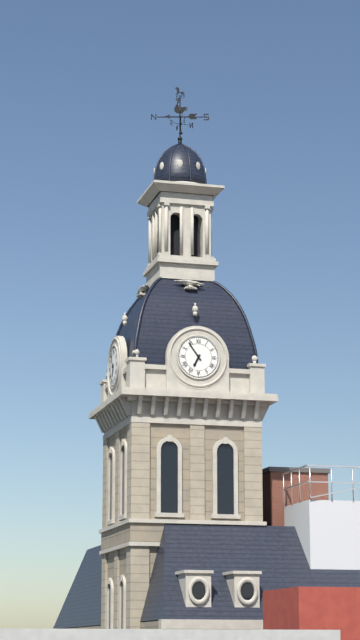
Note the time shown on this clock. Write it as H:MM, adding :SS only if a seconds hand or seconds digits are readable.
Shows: 6:54
